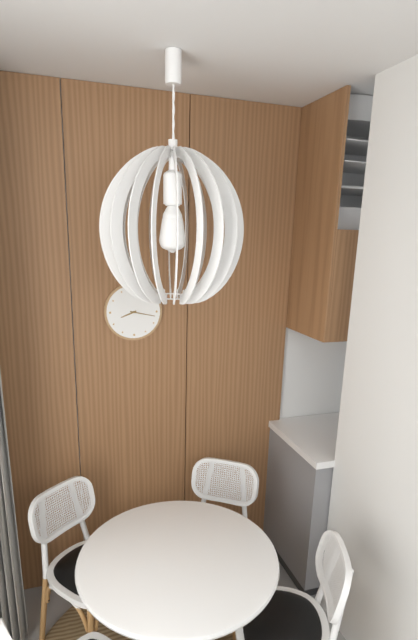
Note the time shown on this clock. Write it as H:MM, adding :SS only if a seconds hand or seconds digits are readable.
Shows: 8:17
